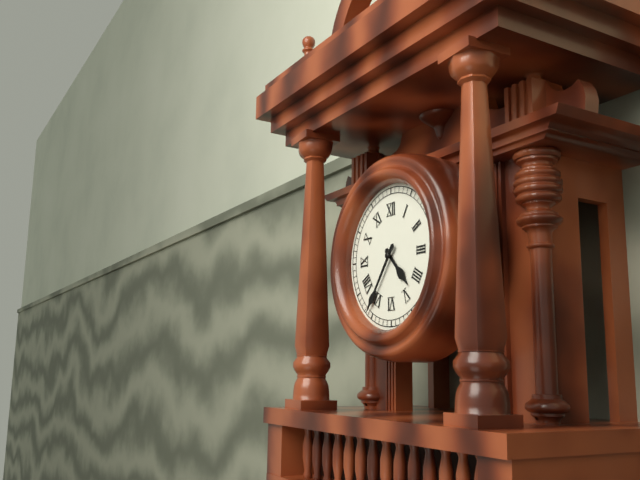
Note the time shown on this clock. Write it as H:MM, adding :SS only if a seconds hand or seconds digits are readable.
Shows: 4:36
